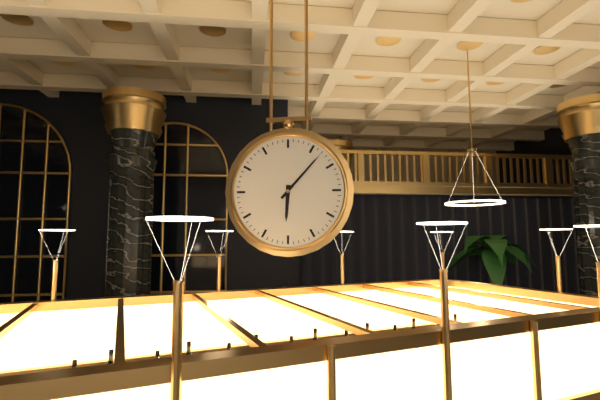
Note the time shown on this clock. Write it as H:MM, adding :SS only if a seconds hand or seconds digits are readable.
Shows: 6:07
